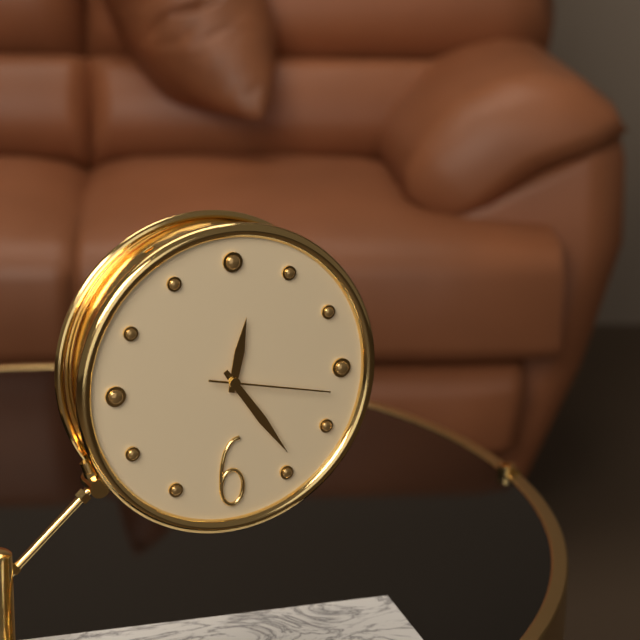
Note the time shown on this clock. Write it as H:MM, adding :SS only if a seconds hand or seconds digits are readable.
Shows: 12:24:17
